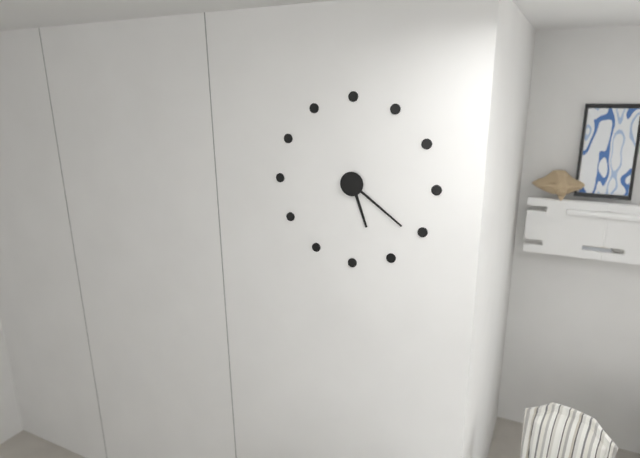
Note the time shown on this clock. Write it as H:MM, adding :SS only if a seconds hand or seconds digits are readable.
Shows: 5:21
